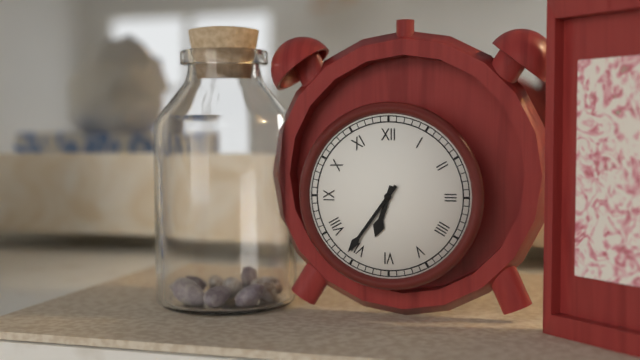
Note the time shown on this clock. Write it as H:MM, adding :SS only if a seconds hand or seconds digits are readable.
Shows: 6:36
